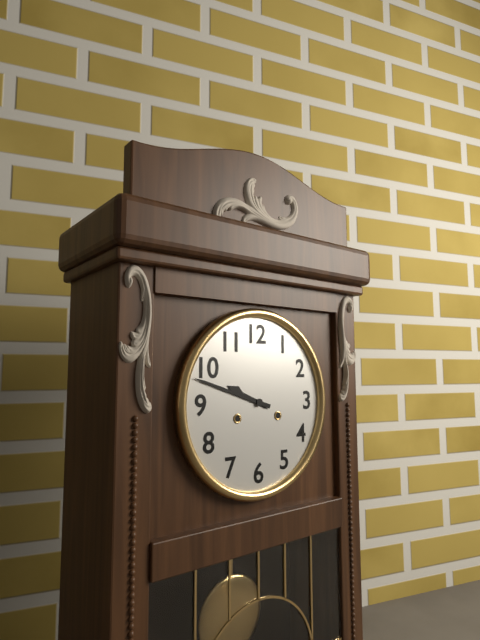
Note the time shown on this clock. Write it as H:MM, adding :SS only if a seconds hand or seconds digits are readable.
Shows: 9:48
